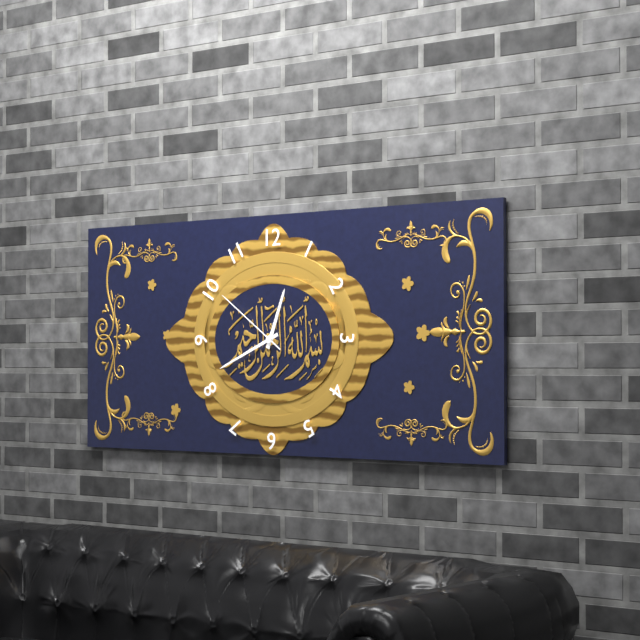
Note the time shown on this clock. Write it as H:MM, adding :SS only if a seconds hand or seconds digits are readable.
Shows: 12:41:51
